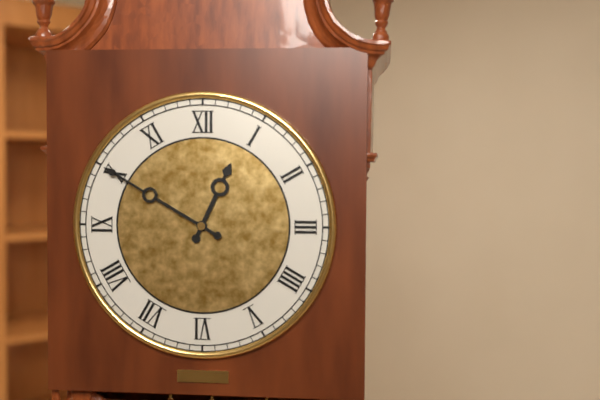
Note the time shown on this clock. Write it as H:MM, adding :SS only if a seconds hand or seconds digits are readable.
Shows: 12:50
